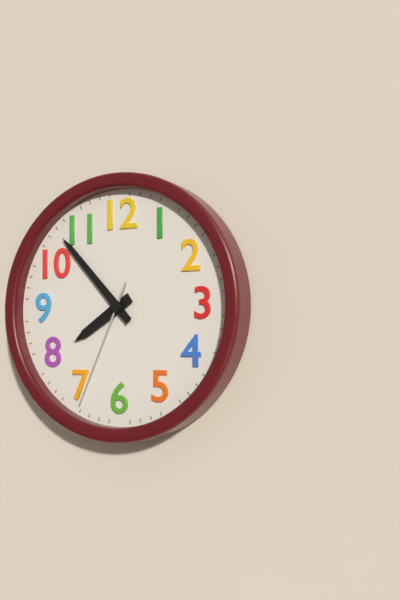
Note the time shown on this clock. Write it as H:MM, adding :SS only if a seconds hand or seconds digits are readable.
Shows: 7:53:34
